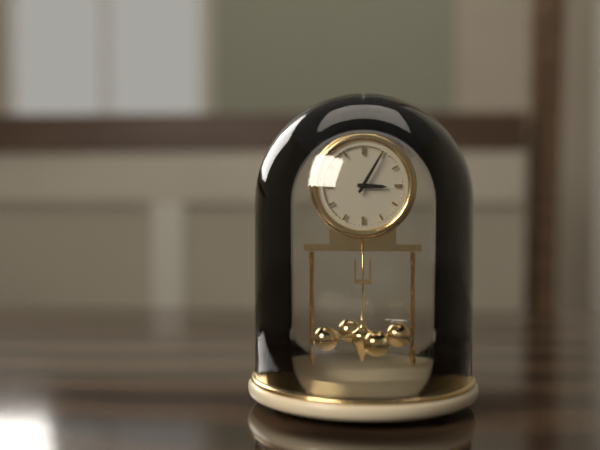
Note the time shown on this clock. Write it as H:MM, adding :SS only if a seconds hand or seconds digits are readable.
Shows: 3:05
